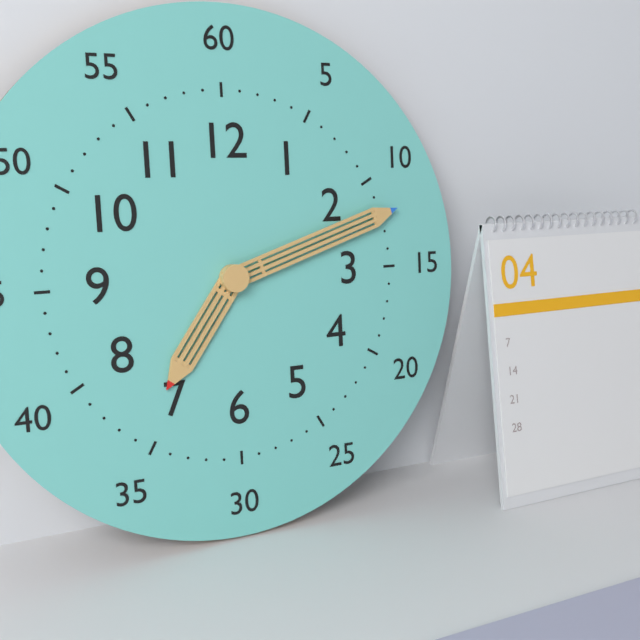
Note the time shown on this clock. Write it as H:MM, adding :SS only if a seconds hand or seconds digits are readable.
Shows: 7:12
